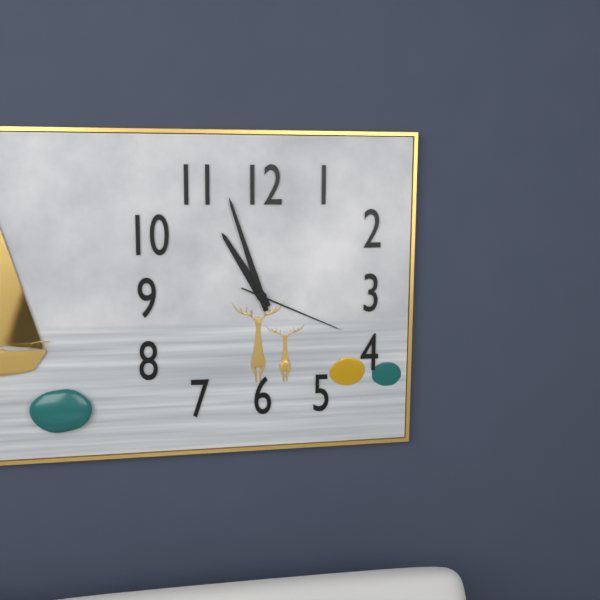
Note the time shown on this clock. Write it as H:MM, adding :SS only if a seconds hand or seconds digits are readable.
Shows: 10:57:19
